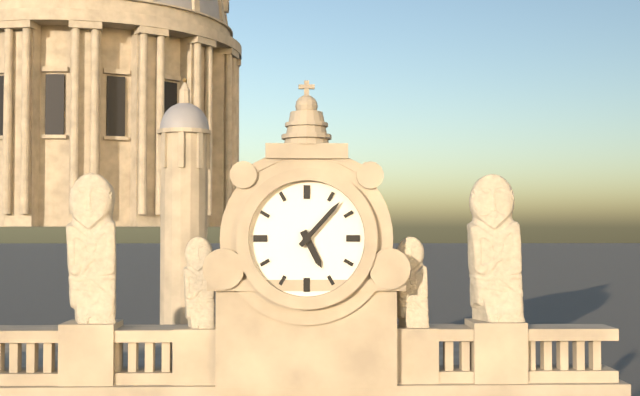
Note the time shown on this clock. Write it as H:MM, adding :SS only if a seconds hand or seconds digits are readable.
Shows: 5:07
